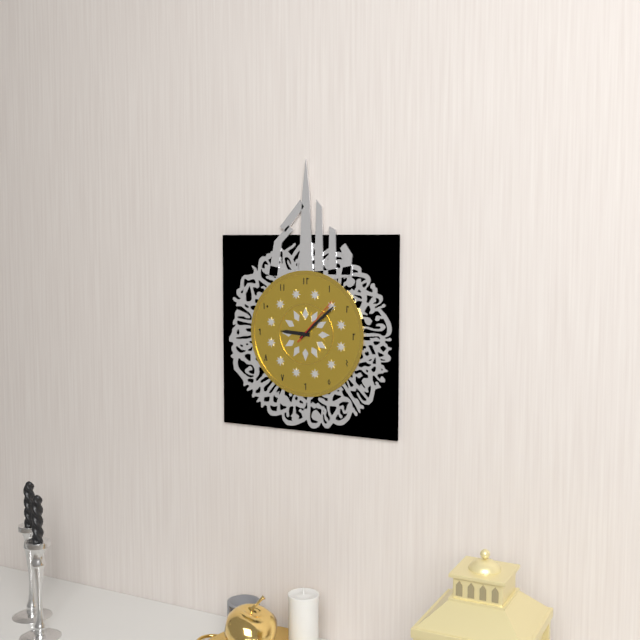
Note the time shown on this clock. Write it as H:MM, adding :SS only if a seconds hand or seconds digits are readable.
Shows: 9:08:07
